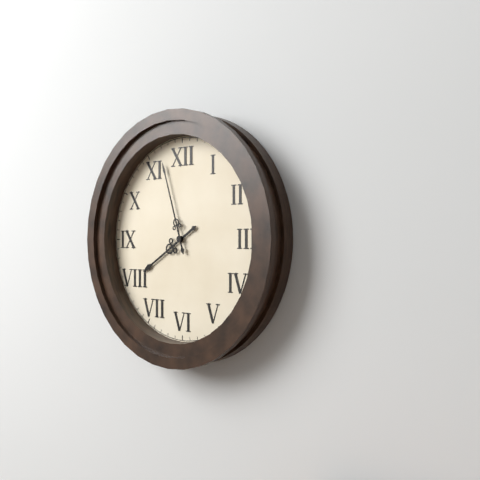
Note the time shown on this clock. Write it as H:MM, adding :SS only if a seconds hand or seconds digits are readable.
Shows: 7:57
